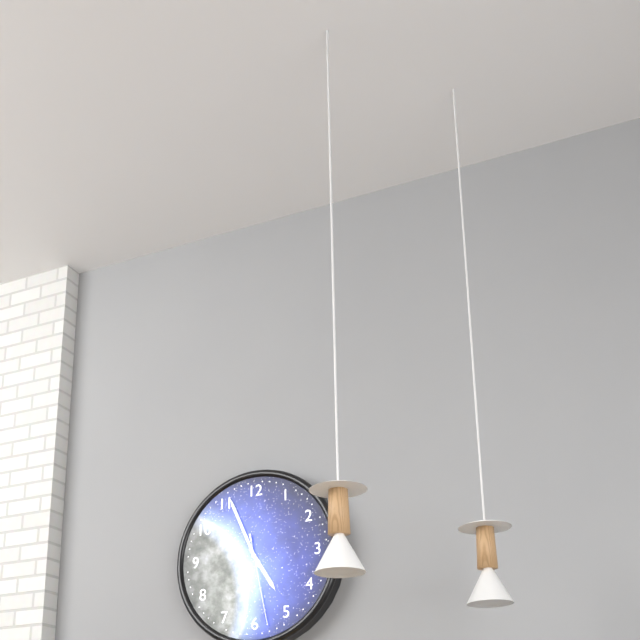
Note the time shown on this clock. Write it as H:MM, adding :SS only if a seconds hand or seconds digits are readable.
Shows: 4:56:28
